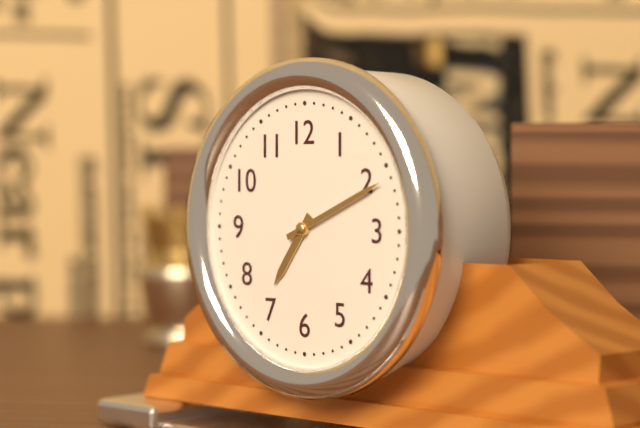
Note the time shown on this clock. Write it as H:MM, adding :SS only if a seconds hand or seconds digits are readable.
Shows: 7:11
